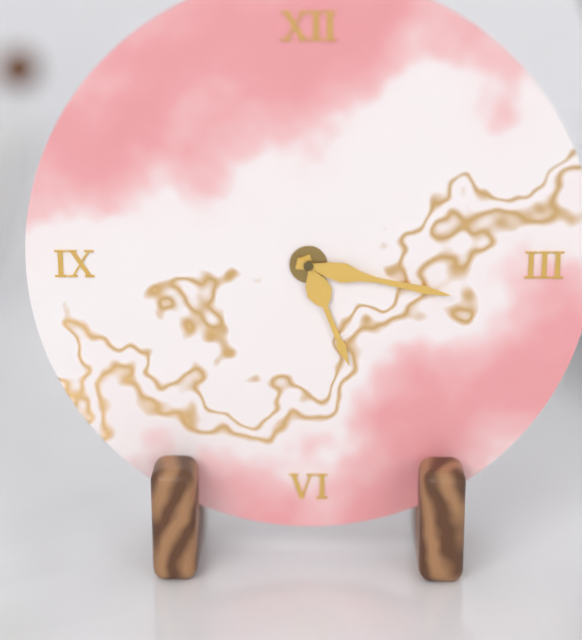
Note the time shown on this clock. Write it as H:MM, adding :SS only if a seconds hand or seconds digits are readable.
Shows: 5:17
